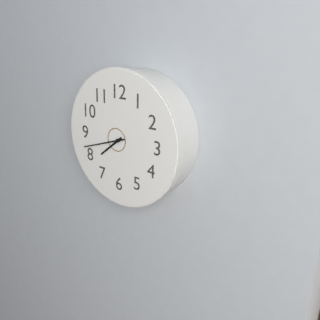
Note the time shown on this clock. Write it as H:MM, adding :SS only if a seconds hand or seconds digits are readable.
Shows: 7:42
